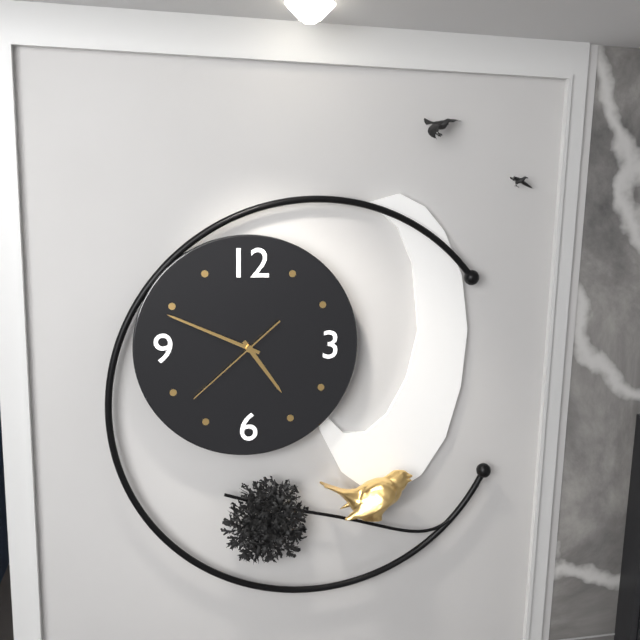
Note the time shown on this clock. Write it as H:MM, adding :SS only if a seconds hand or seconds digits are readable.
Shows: 4:49:38
